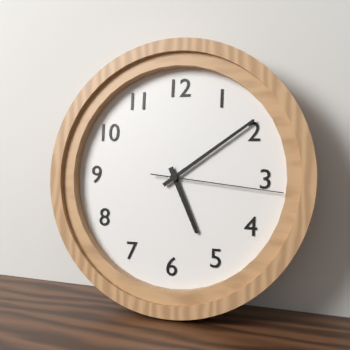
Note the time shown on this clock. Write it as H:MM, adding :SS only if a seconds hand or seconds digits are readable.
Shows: 5:09:16
